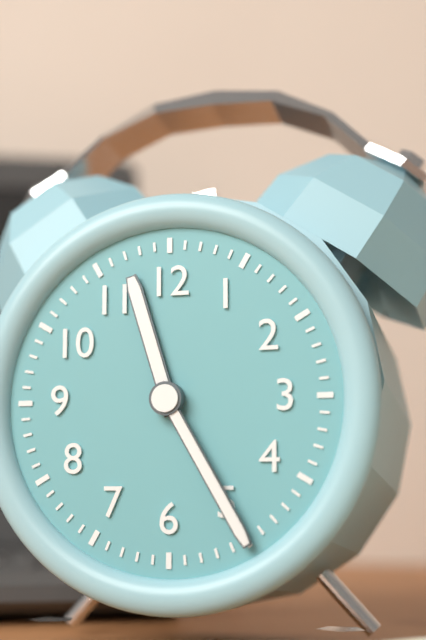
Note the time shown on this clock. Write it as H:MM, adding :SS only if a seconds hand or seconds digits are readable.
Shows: 11:25
